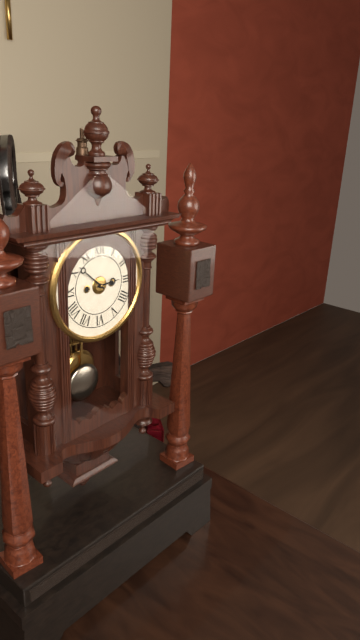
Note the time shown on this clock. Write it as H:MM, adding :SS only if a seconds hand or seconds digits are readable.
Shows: 2:52
